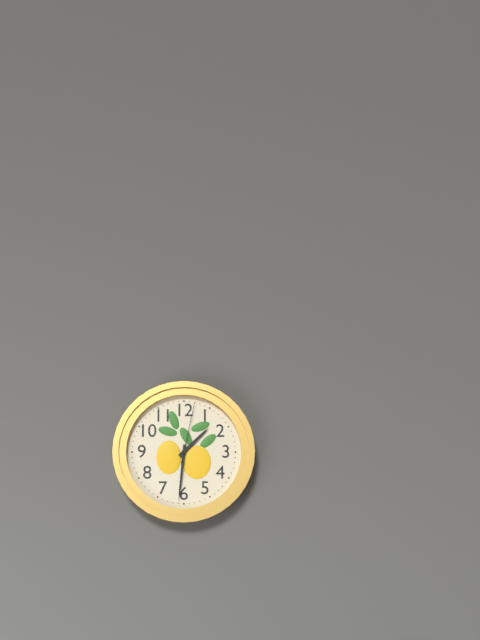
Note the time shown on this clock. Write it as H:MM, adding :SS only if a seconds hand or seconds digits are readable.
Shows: 1:31:02
